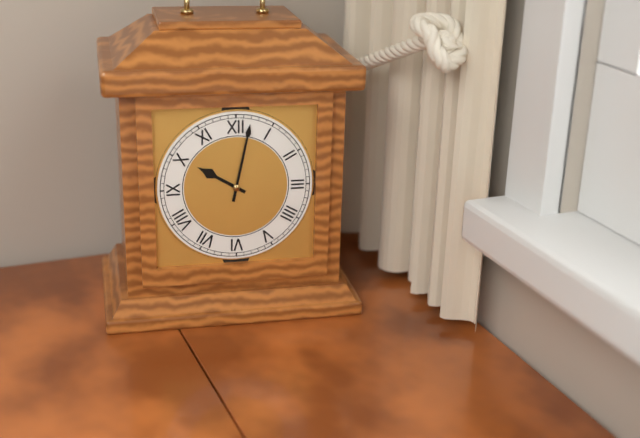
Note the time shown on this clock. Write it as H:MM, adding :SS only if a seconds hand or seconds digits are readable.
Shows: 10:02
